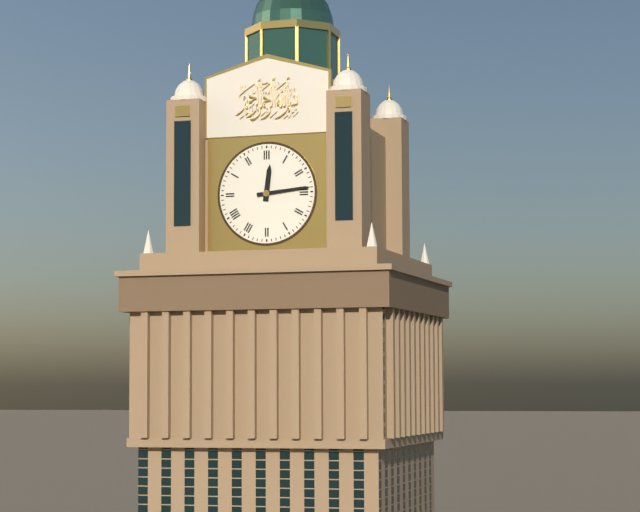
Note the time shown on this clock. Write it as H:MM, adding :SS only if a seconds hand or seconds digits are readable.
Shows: 12:14
